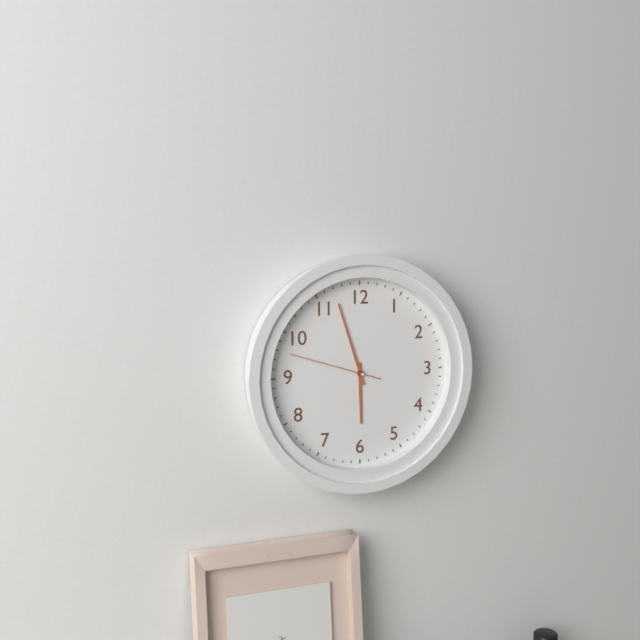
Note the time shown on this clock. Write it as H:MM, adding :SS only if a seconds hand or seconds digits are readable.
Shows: 5:57:48
